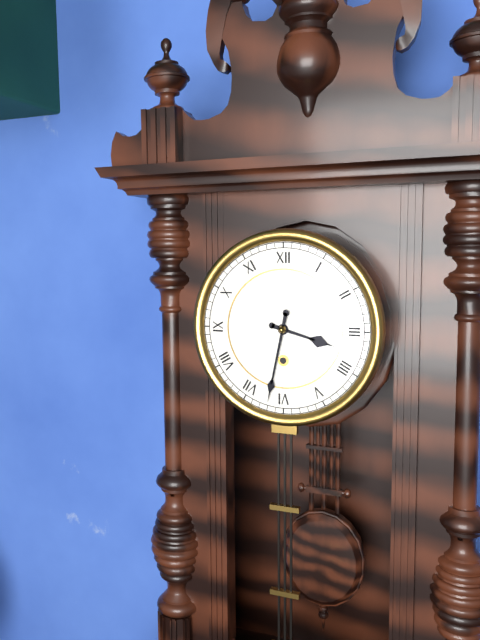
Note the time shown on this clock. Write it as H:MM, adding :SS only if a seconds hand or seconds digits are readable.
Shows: 3:32
